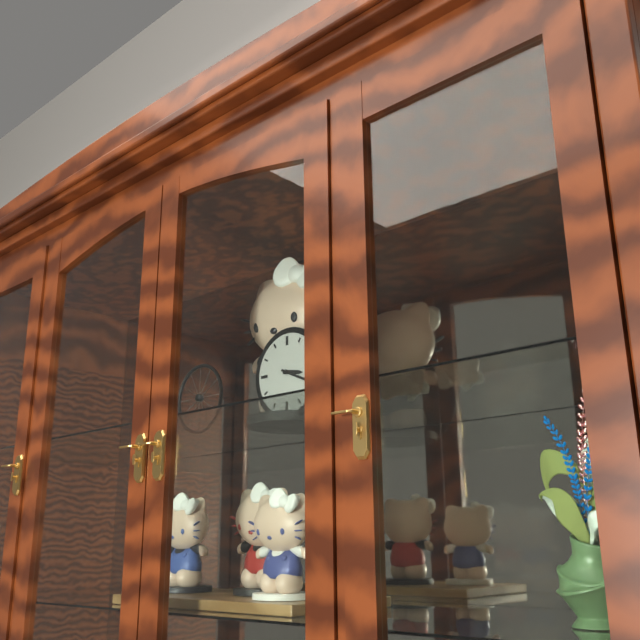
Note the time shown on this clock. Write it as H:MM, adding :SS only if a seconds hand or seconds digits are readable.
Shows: 3:19
